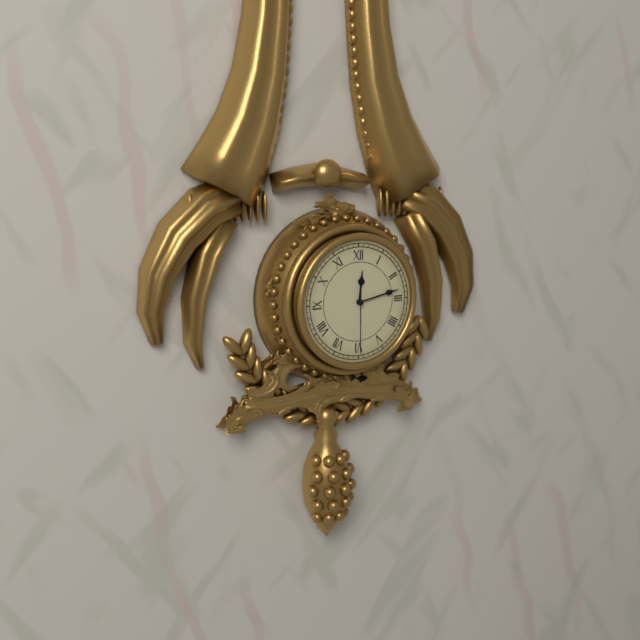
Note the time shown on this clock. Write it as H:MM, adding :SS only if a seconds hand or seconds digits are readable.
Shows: 12:13:30
